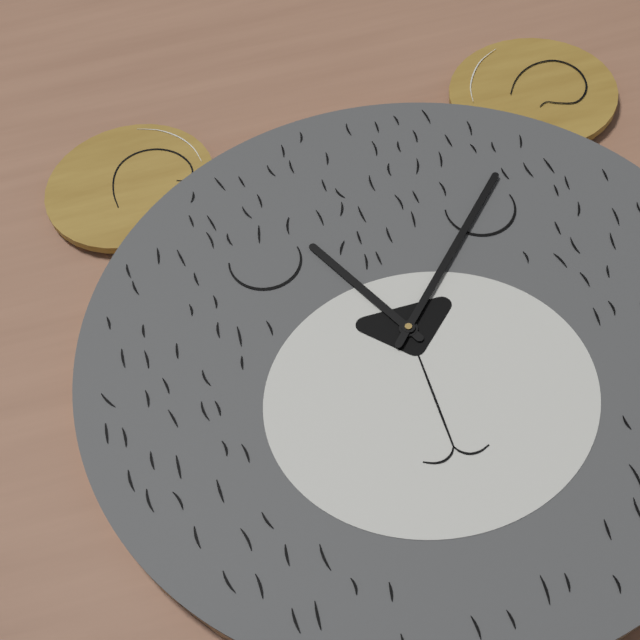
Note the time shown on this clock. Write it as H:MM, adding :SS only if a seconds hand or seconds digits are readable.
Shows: 11:07
